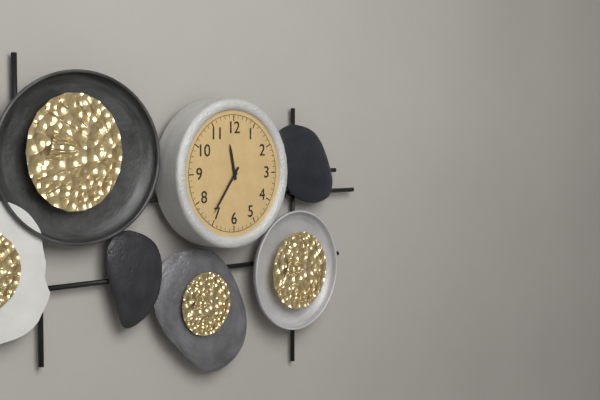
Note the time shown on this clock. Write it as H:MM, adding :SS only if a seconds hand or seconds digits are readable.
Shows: 11:36
